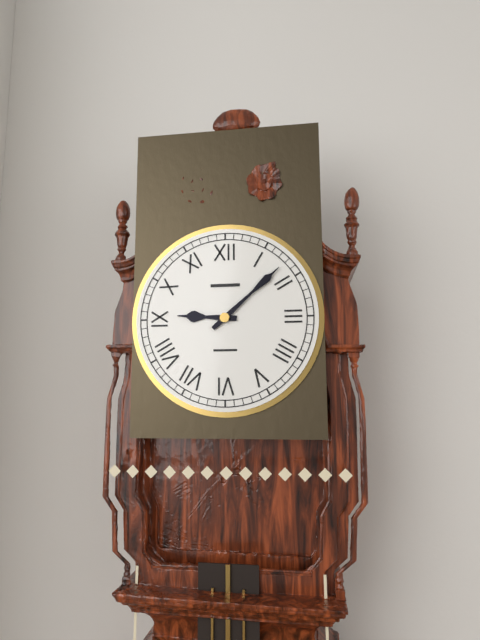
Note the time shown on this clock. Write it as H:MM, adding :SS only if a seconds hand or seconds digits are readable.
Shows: 9:08
